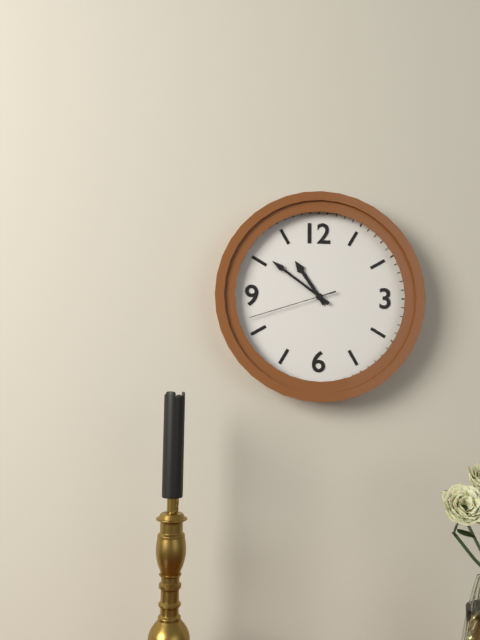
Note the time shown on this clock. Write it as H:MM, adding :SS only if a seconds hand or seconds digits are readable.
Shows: 10:51:42
